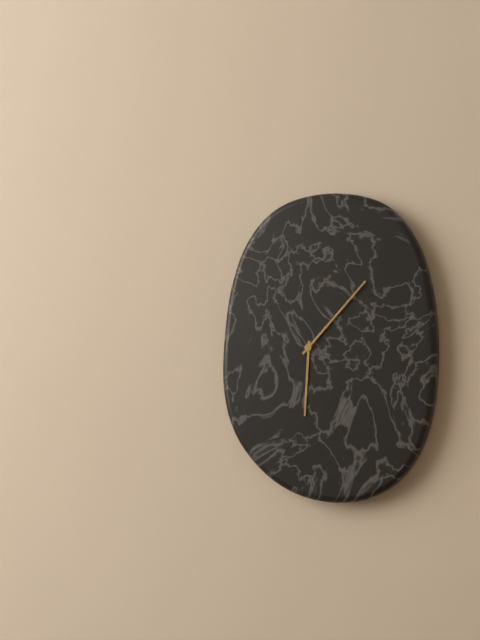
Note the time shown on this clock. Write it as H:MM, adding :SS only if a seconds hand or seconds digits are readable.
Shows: 6:07
